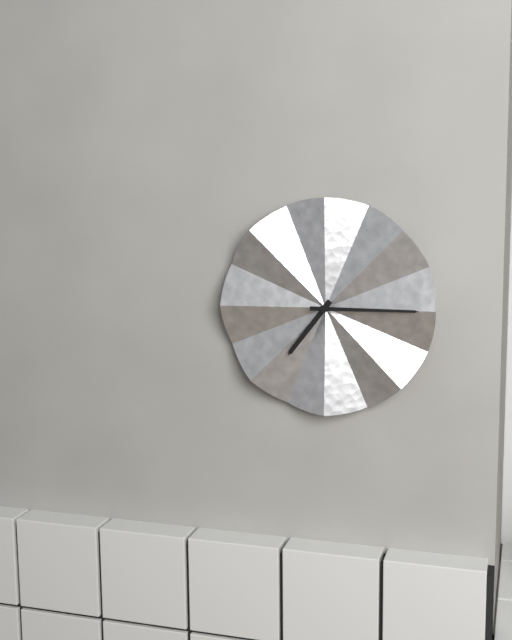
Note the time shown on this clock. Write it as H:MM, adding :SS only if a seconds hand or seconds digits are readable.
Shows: 7:15
